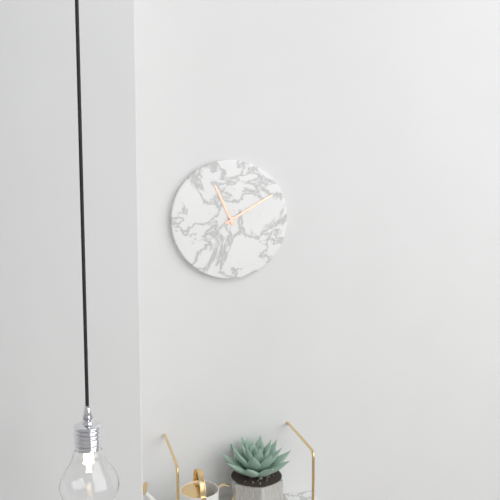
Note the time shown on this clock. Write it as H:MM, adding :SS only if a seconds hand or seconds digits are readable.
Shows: 11:10
